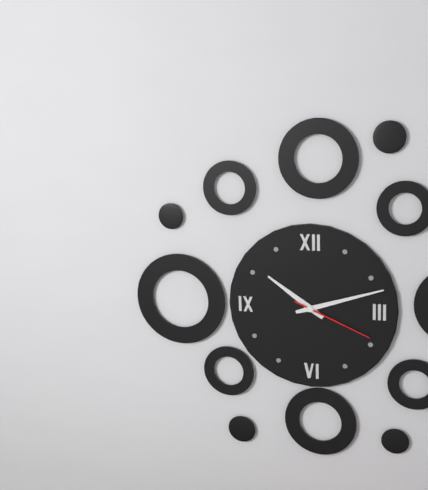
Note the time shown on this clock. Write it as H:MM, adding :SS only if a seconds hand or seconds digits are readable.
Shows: 10:12:19
